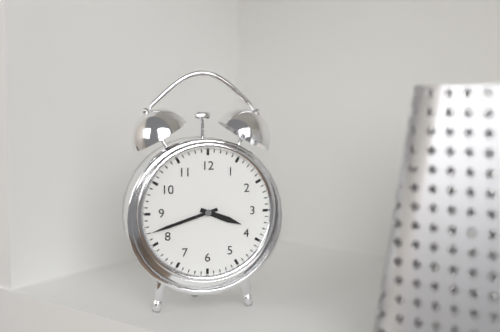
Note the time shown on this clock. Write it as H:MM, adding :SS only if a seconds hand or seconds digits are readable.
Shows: 3:42
